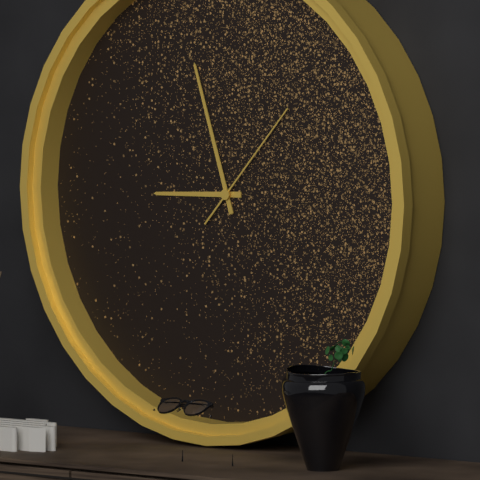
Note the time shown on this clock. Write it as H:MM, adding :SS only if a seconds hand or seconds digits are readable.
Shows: 8:57:07
